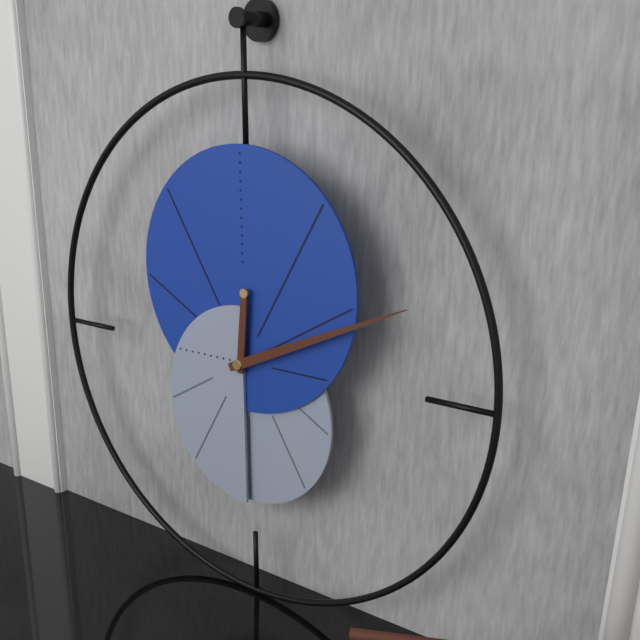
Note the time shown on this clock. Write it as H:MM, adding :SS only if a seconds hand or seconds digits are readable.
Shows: 12:11
